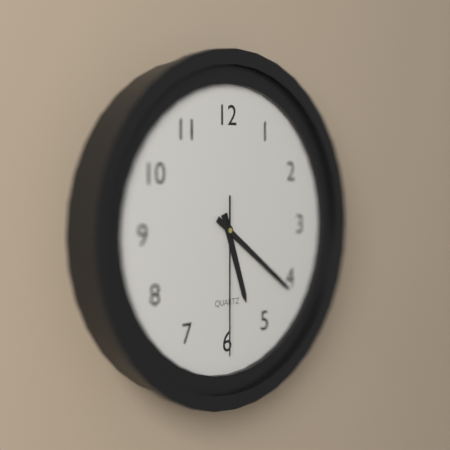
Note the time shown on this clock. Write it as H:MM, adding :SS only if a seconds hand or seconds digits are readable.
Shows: 5:21:30
